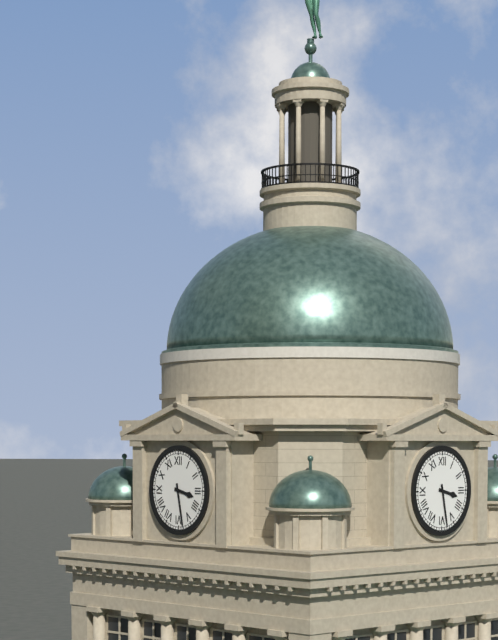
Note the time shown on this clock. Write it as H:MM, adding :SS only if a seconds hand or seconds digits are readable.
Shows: 3:28
